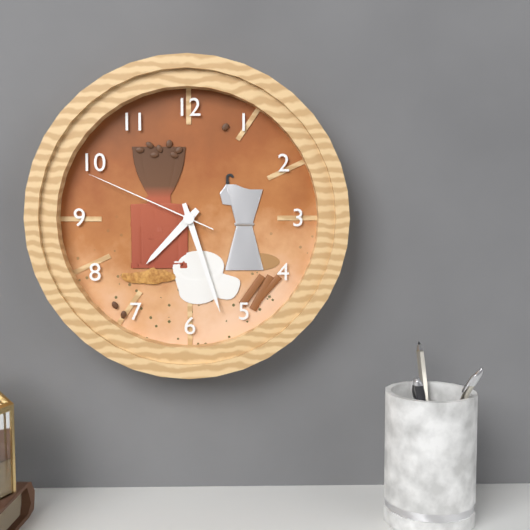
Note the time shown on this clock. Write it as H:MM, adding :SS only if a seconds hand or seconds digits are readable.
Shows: 7:27:49
